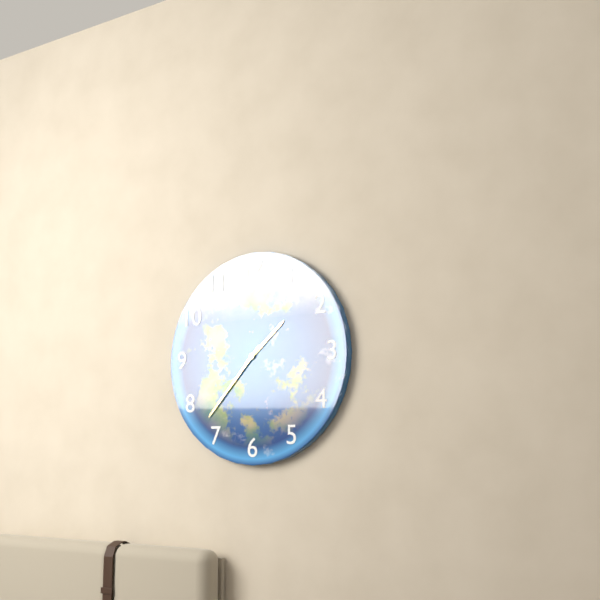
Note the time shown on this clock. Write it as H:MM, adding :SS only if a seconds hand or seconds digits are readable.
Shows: 1:37
